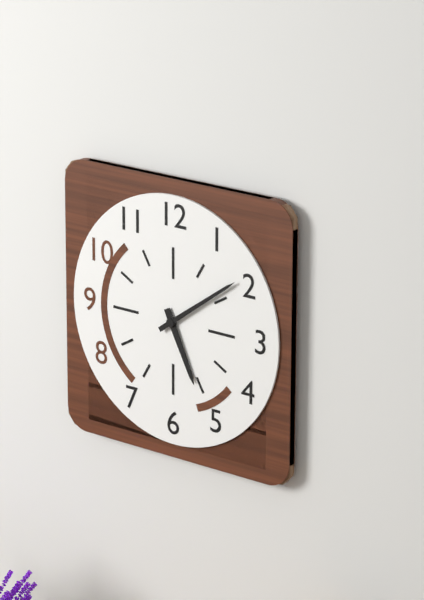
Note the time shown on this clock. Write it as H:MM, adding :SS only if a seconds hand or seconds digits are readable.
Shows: 5:09
